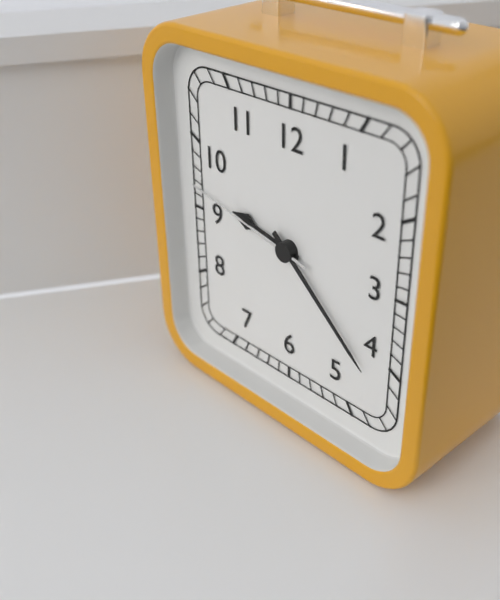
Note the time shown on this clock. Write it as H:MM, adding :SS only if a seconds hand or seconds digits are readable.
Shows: 9:22:47
